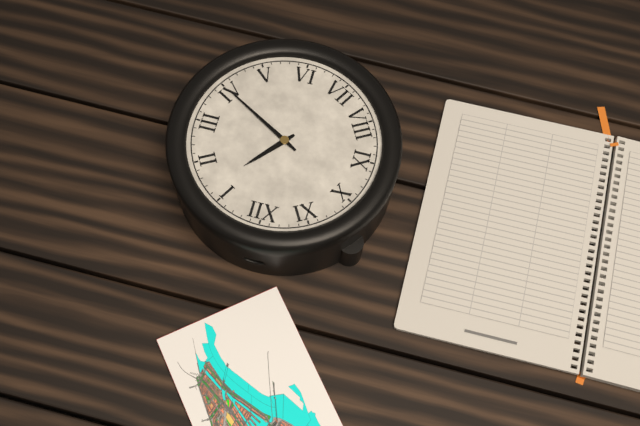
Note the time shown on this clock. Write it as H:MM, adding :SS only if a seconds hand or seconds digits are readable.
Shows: 1:20
